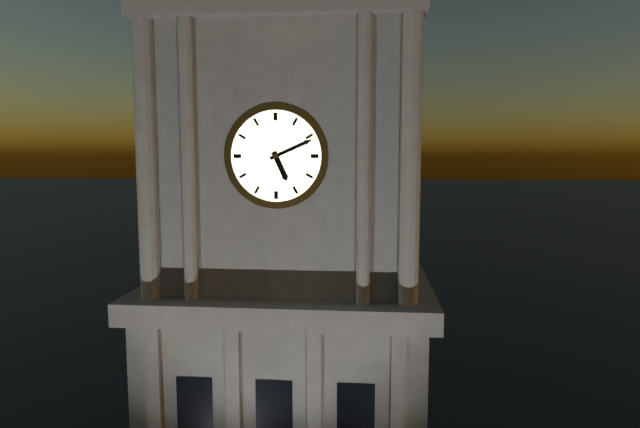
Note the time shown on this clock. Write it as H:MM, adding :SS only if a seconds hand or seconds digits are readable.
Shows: 5:11
